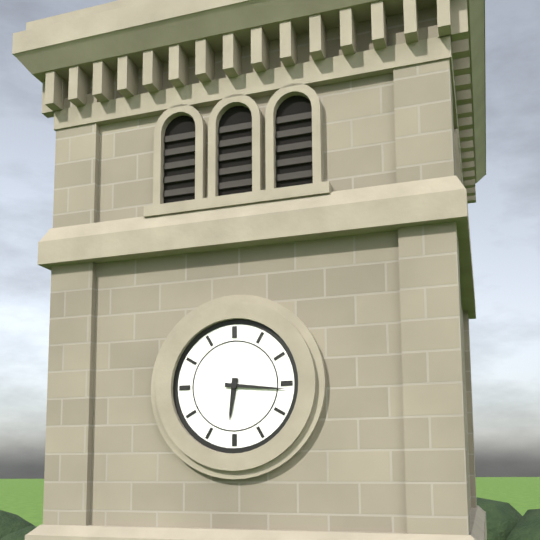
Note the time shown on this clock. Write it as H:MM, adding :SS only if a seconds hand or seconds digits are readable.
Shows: 6:16
